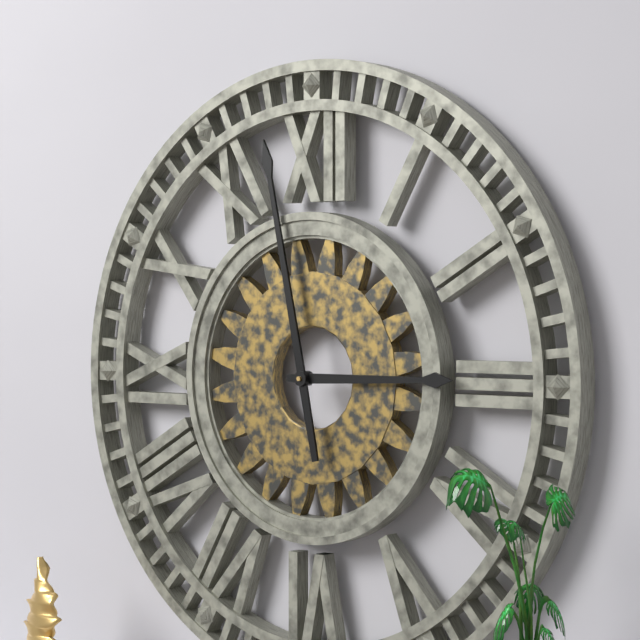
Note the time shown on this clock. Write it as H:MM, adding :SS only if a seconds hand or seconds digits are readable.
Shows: 2:58
